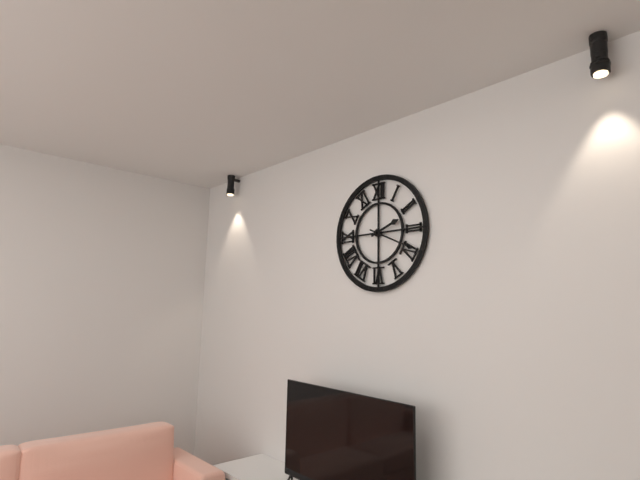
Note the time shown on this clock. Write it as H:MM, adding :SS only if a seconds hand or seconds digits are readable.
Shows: 2:19
